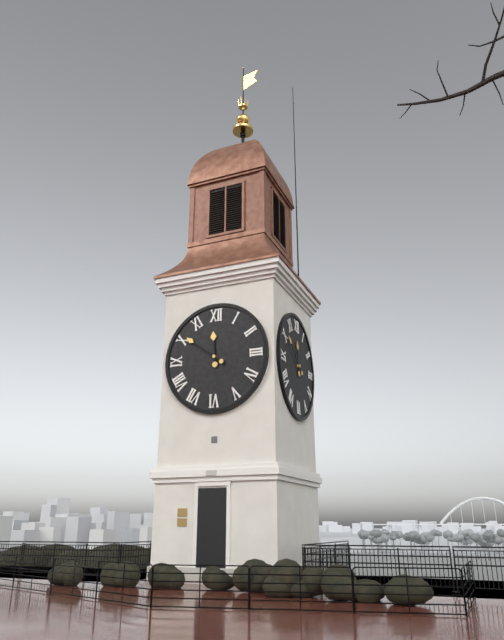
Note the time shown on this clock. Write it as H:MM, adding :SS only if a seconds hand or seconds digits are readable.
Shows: 11:51
